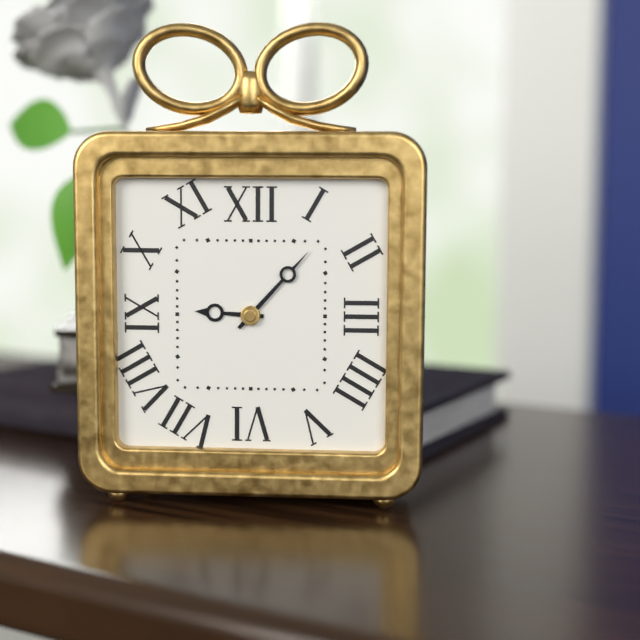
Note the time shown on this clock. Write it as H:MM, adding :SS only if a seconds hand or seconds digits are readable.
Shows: 9:07
